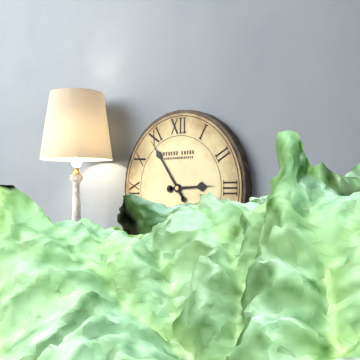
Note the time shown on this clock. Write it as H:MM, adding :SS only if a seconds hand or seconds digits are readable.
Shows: 2:54
